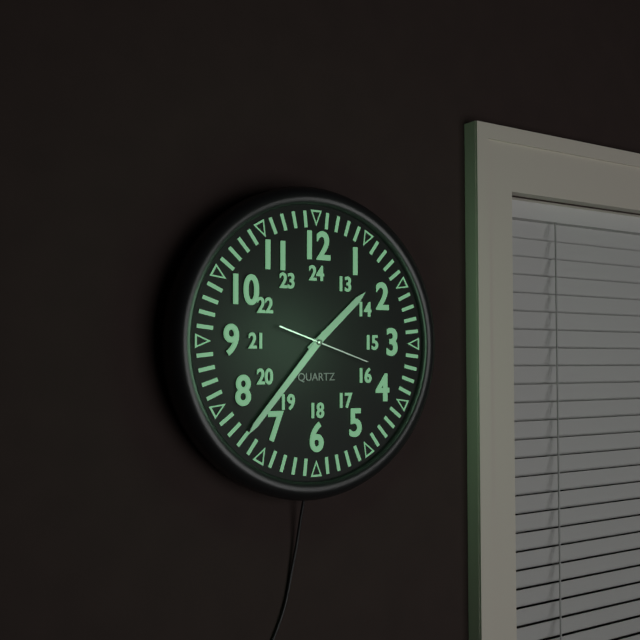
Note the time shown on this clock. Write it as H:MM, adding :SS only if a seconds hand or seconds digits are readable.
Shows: 1:37:18
